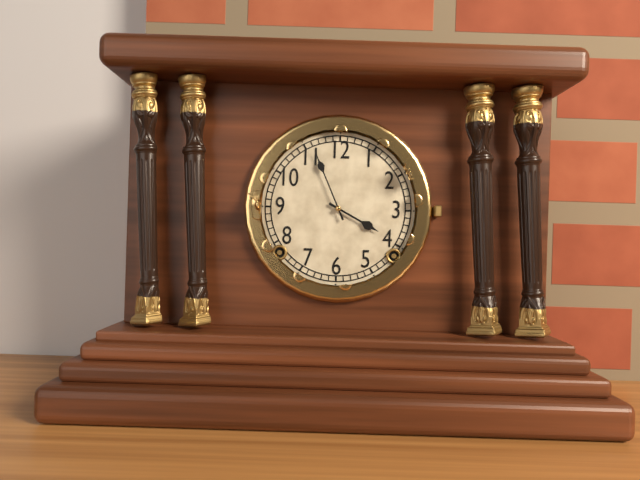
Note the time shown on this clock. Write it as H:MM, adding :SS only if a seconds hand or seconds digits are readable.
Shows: 3:56
